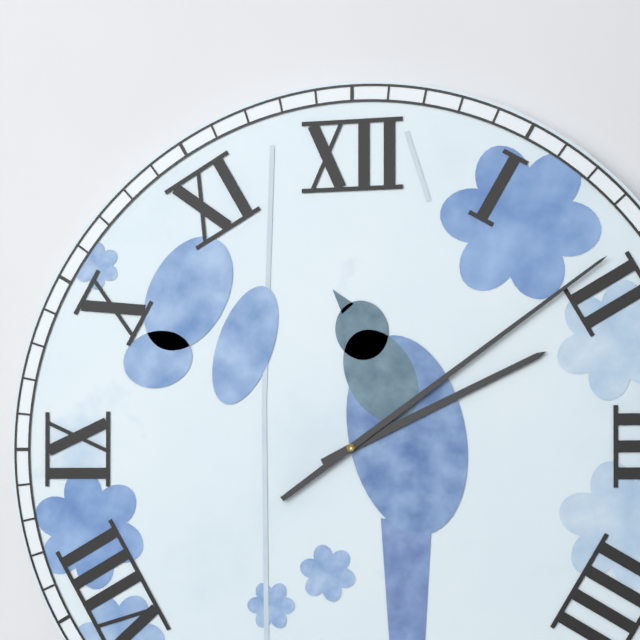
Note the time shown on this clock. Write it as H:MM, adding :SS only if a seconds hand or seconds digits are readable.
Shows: 2:09
